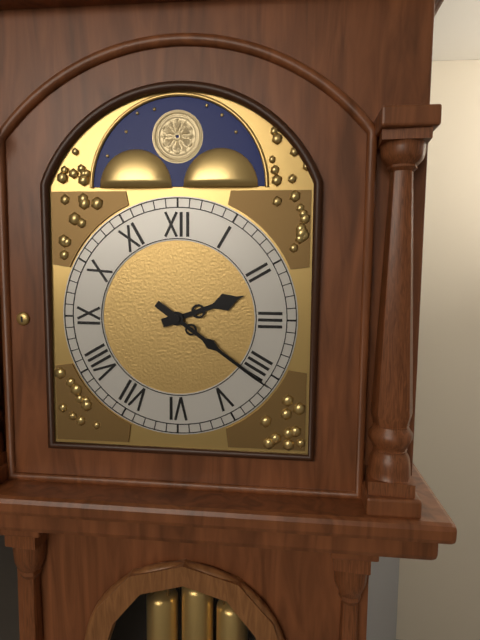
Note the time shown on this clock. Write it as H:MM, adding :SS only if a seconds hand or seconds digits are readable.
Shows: 2:21
